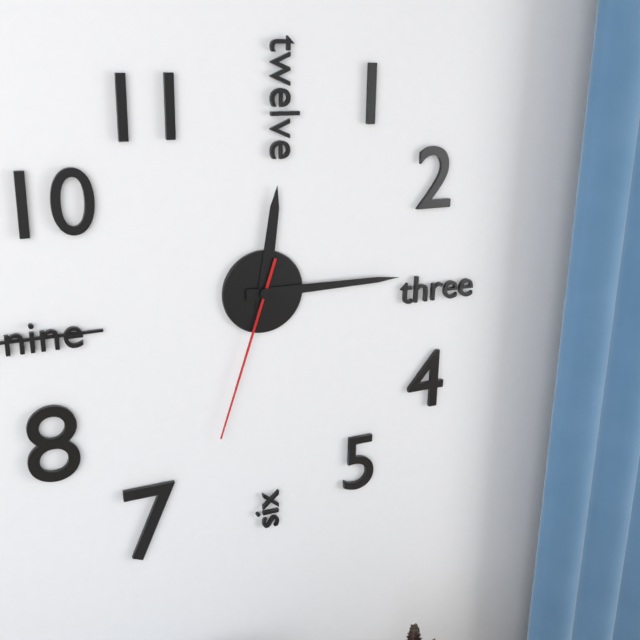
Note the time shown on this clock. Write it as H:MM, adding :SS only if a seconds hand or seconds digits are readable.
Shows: 12:15:33
